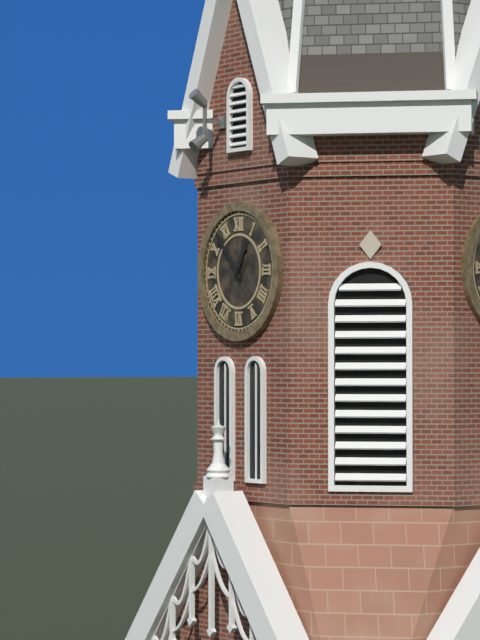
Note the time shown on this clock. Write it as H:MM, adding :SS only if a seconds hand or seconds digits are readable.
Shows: 12:53
